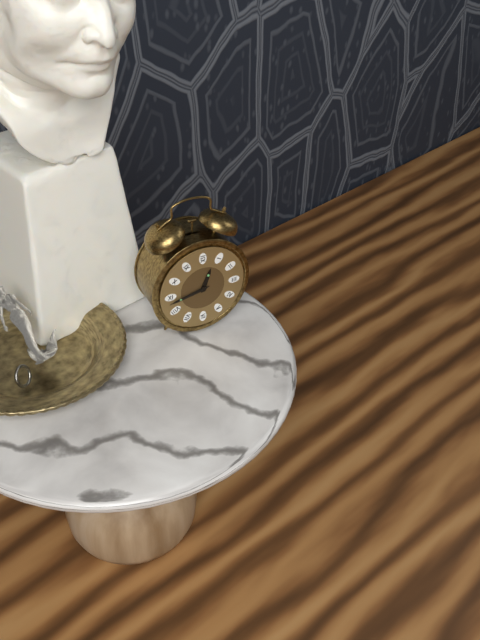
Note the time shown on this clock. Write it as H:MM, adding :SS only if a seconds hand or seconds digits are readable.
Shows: 12:43
